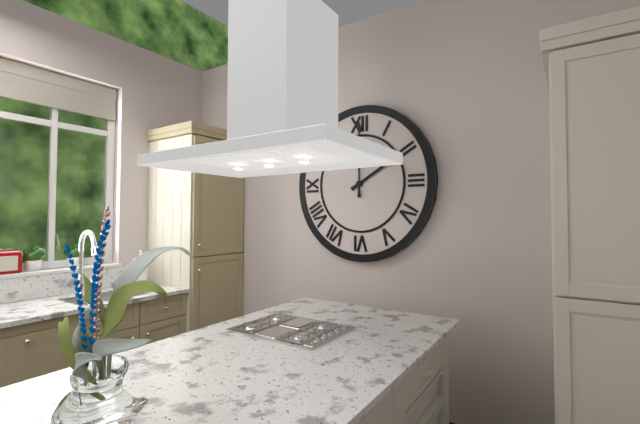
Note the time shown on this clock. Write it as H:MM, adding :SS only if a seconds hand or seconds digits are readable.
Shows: 2:00
